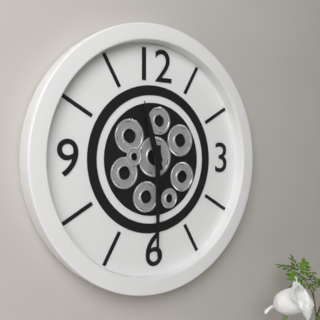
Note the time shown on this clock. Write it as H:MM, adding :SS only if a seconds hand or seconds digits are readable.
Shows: 11:30
